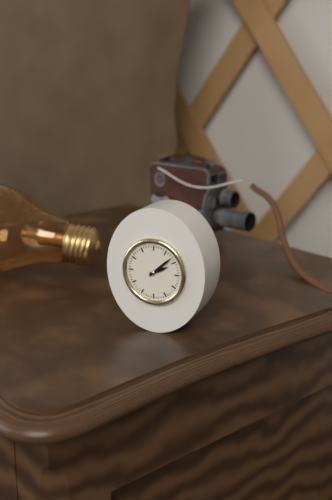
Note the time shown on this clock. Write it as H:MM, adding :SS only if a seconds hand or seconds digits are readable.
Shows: 2:08
